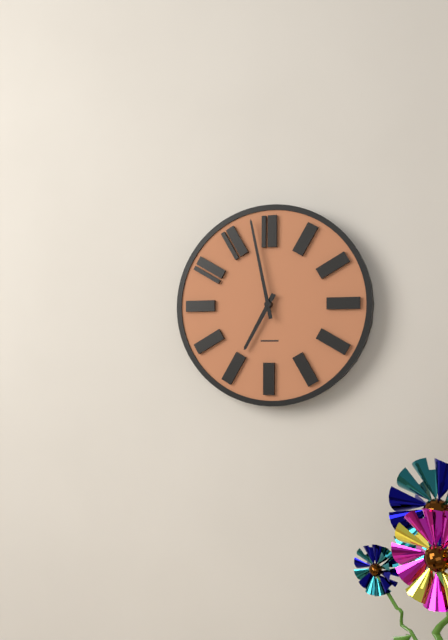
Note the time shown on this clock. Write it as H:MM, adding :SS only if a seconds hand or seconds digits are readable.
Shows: 6:58
